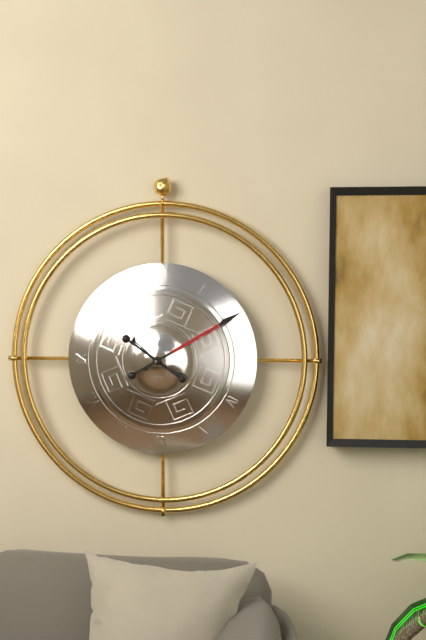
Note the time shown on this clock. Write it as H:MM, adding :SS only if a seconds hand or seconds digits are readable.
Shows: 10:10
